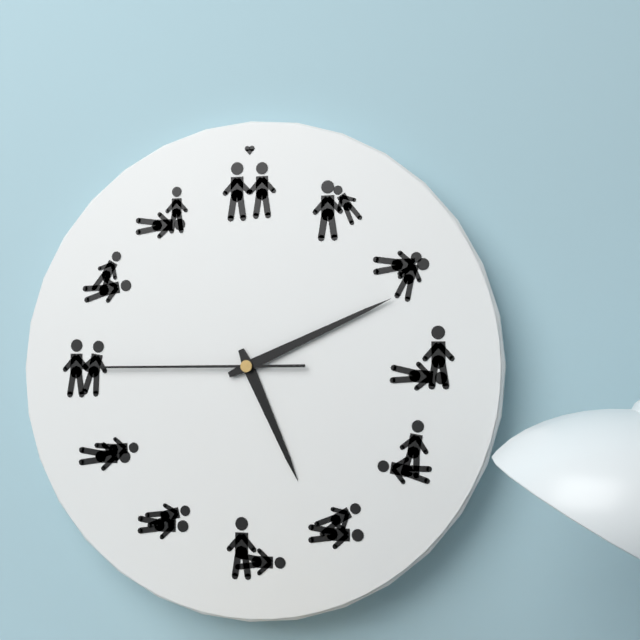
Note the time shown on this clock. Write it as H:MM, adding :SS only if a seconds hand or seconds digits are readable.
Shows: 5:11:45
